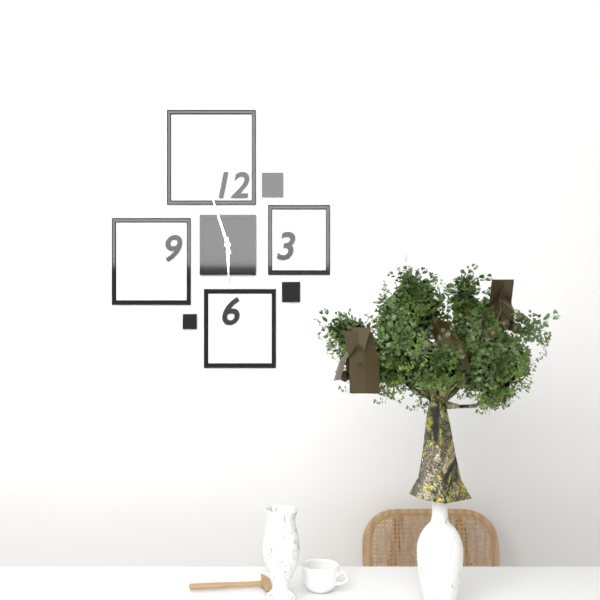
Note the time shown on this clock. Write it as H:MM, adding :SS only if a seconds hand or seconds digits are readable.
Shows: 5:57
